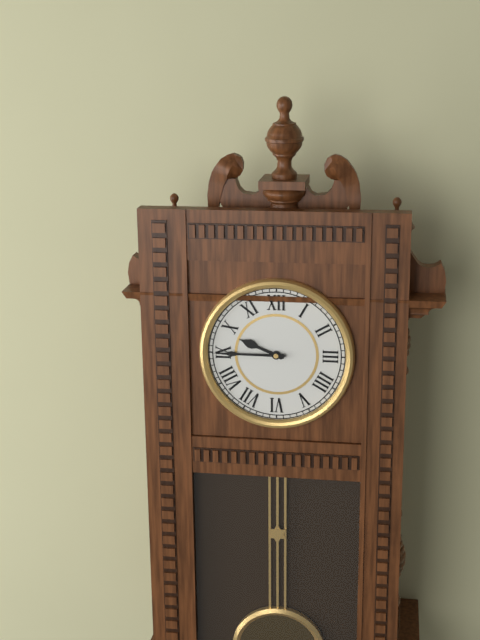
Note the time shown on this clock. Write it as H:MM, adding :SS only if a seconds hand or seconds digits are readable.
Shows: 9:45
